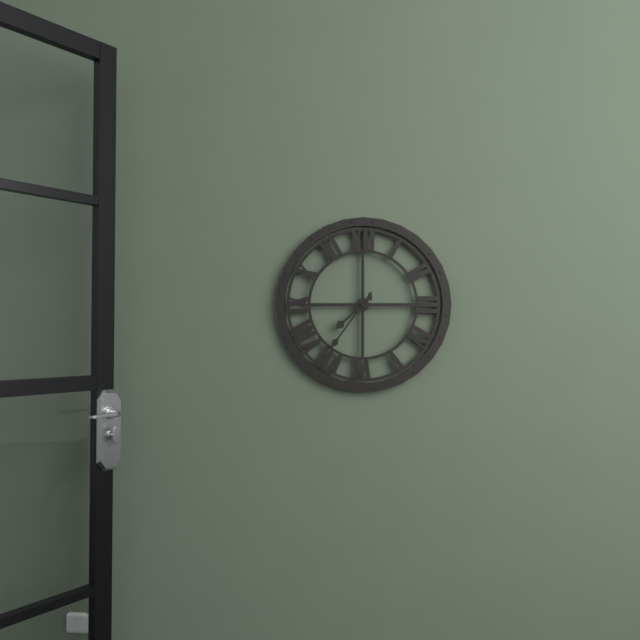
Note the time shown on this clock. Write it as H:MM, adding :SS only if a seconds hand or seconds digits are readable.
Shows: 7:36
